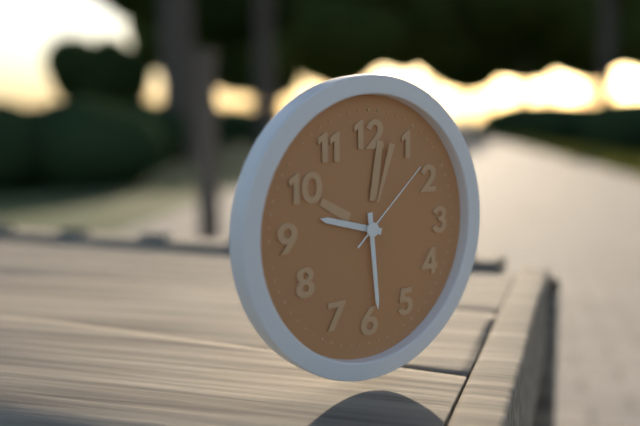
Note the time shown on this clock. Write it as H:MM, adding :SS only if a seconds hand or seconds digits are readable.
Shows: 9:29:08
